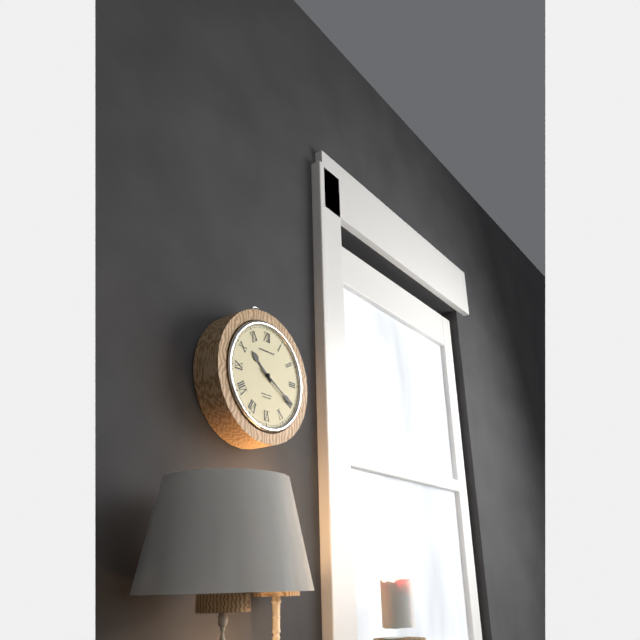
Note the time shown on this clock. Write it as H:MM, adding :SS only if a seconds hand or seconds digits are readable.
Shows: 10:20
